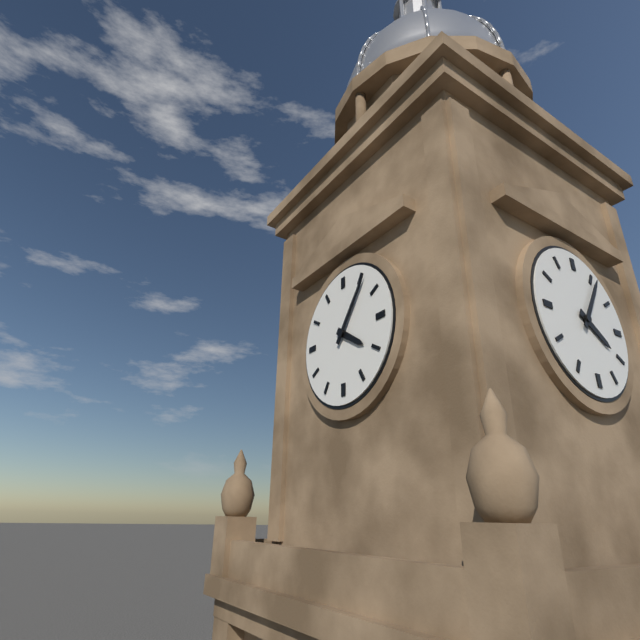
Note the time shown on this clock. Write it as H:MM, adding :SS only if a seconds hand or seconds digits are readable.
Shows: 4:06
